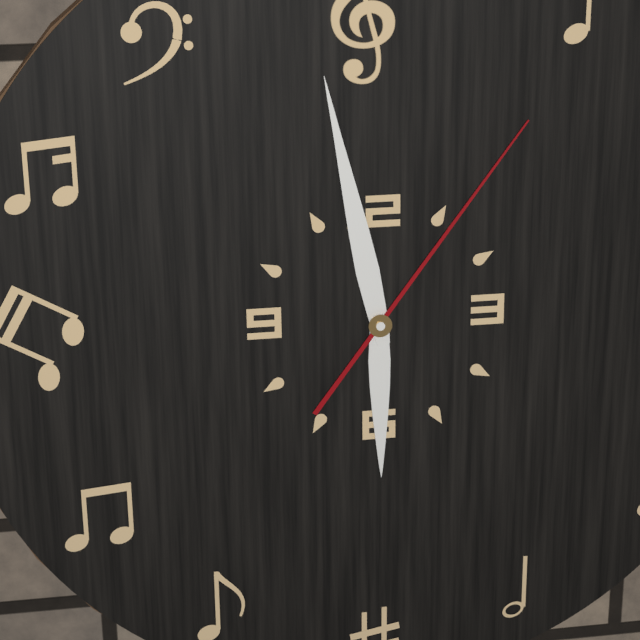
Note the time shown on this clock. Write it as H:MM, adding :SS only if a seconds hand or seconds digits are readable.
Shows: 5:58:06
